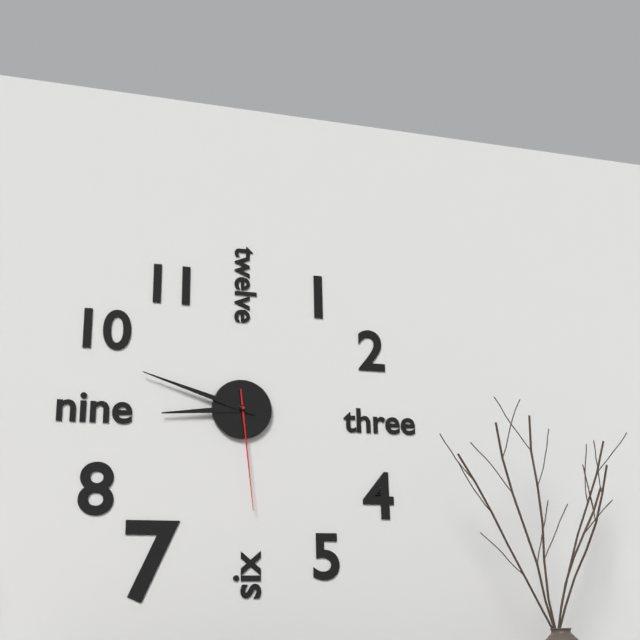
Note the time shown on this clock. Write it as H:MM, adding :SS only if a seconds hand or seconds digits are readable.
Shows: 8:48:29
